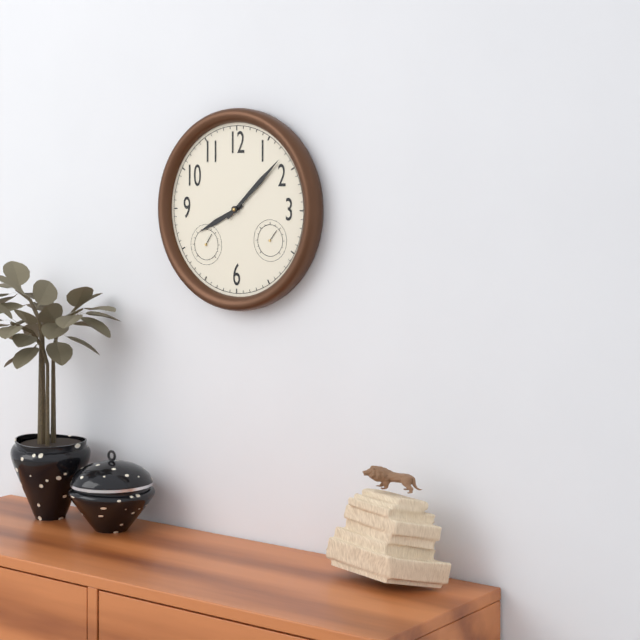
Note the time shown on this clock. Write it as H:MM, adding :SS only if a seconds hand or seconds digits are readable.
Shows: 8:08
